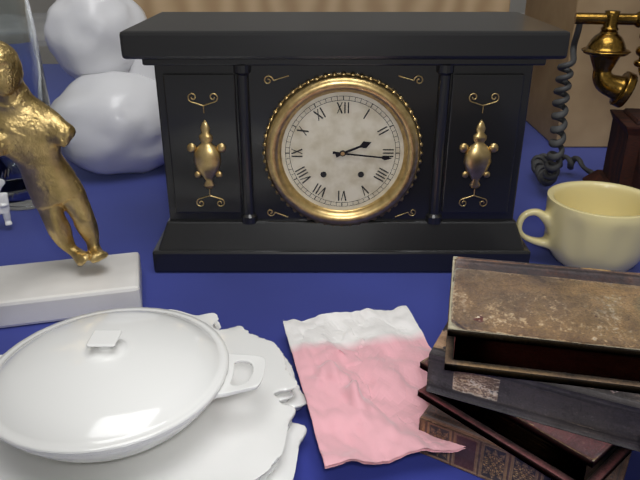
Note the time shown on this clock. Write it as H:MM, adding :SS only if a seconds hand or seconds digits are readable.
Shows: 2:16
